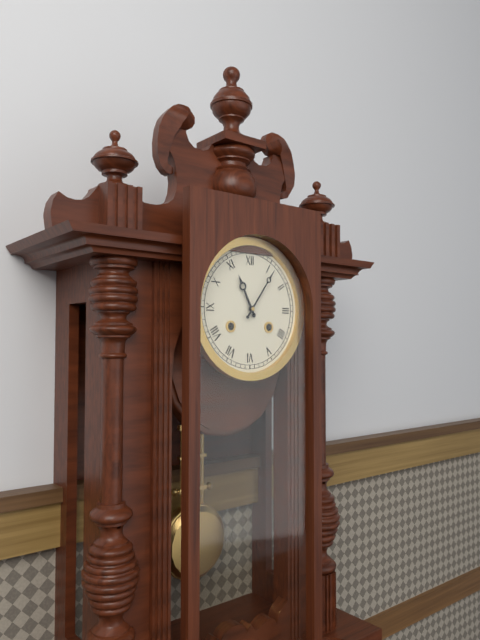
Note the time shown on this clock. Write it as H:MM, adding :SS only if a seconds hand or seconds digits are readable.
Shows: 11:06
